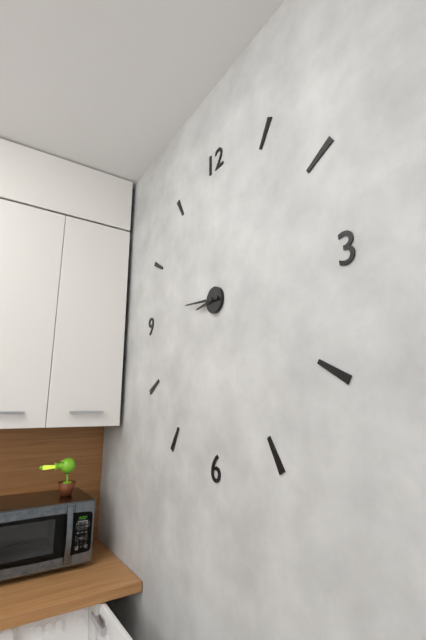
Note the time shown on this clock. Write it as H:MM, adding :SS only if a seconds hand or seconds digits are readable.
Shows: 8:46
